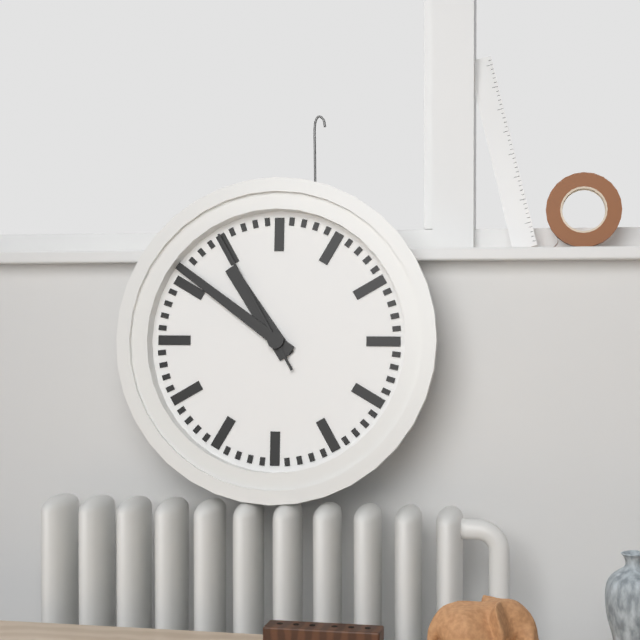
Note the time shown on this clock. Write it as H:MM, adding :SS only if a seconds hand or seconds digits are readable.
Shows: 10:51:55
